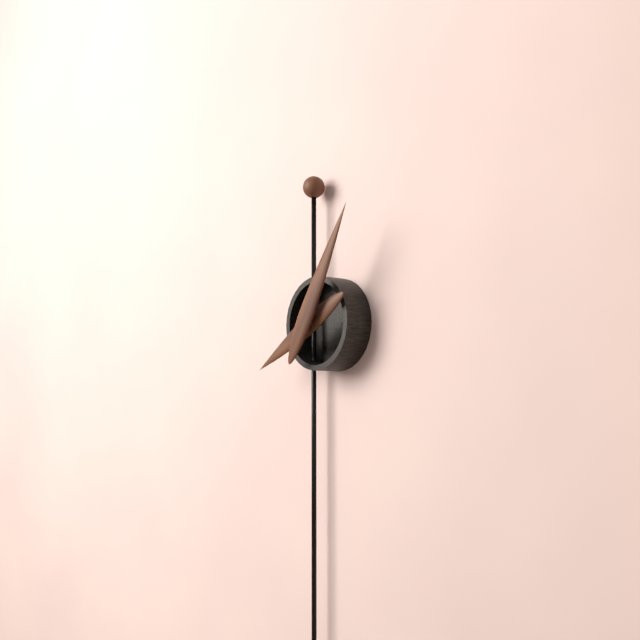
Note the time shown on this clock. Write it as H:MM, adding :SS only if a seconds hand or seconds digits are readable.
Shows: 8:05
